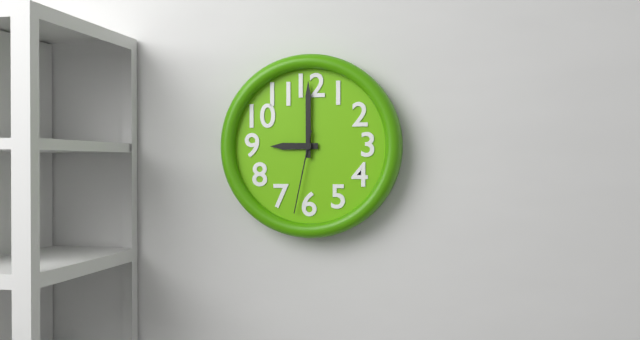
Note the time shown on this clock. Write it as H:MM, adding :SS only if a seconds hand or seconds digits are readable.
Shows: 9:00:32
